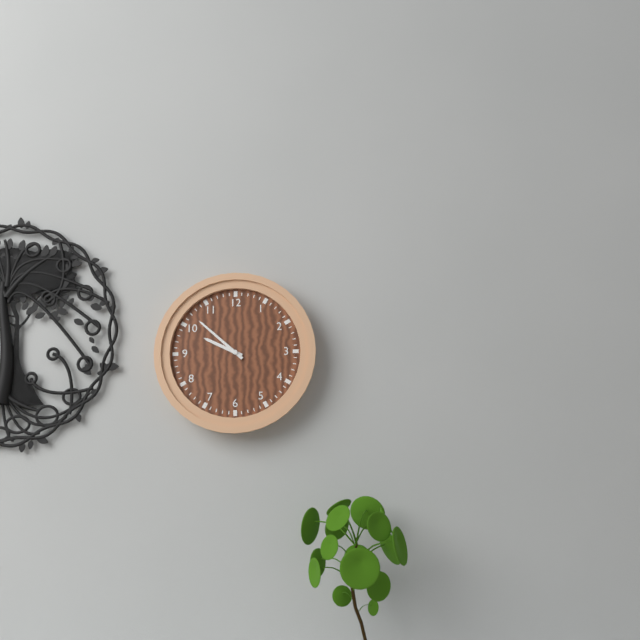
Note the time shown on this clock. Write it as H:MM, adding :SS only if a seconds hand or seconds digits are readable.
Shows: 9:52
